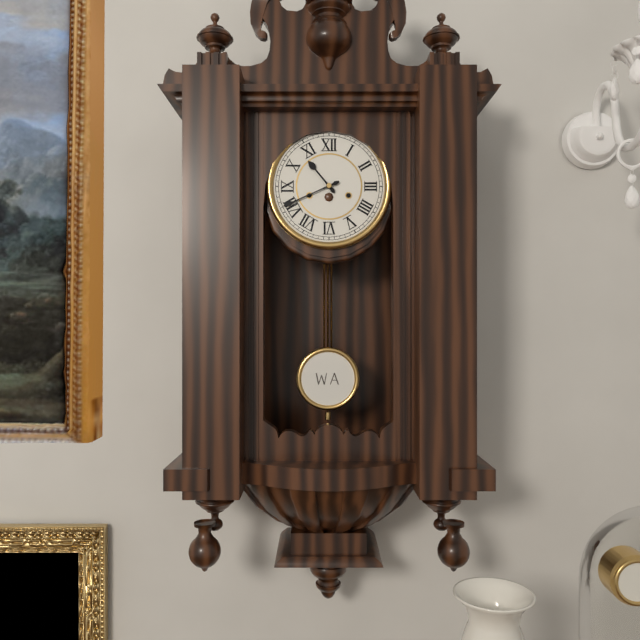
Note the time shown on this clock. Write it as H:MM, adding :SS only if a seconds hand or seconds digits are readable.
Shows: 10:41
